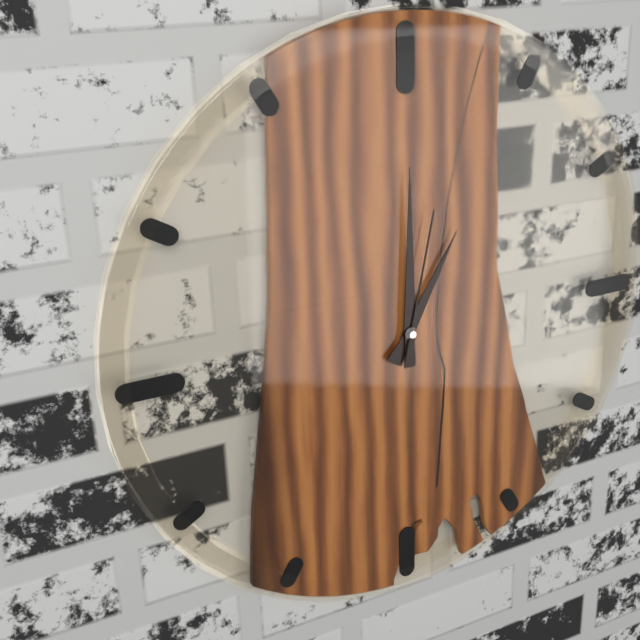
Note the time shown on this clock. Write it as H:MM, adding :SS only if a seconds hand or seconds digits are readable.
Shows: 1:00:02
